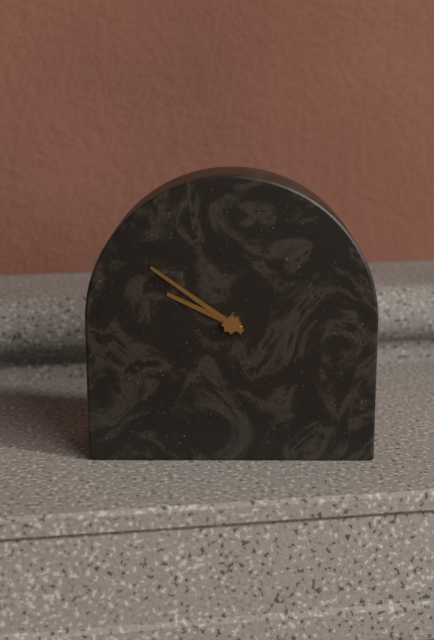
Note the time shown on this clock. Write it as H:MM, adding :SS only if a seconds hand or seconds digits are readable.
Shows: 9:51
